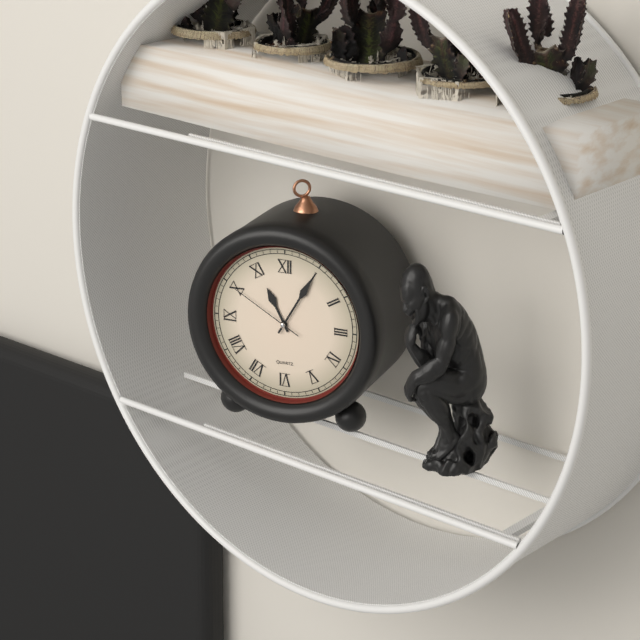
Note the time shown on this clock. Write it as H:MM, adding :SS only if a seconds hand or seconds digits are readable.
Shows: 11:05:50
